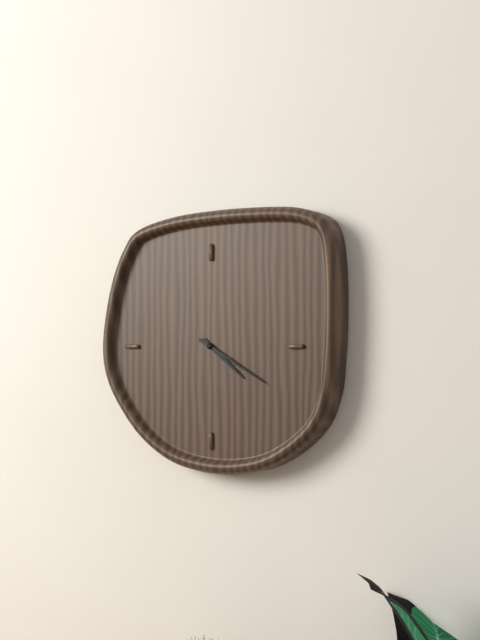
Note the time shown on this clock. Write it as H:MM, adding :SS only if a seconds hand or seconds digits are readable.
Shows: 4:20
